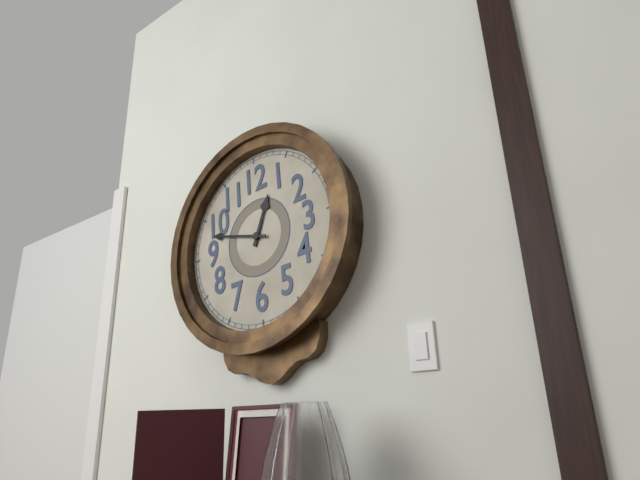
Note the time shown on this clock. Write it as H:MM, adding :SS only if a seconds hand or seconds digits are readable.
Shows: 12:48
